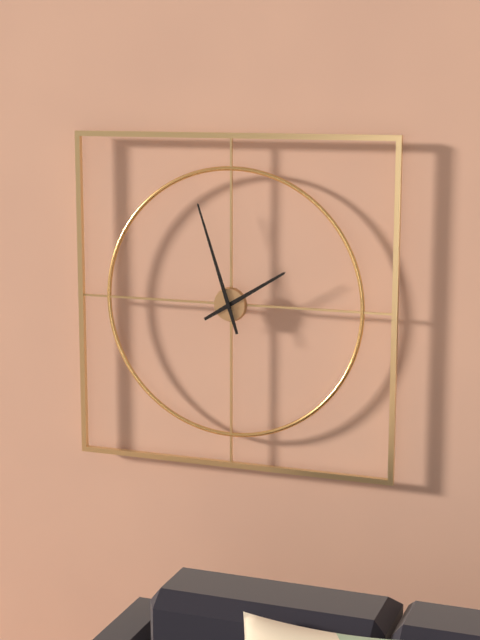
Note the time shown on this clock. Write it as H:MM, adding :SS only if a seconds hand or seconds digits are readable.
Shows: 1:57
